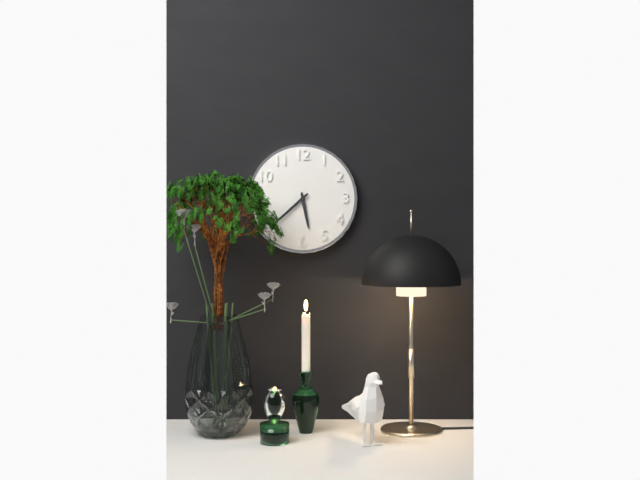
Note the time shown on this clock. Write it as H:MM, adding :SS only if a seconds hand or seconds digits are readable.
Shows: 5:38
